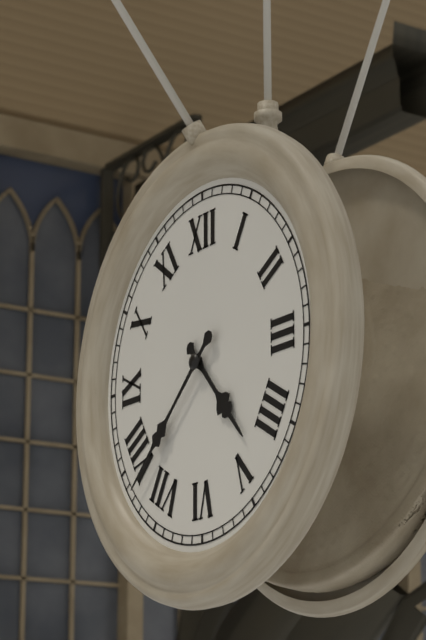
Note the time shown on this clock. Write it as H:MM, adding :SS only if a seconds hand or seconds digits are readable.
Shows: 4:38
